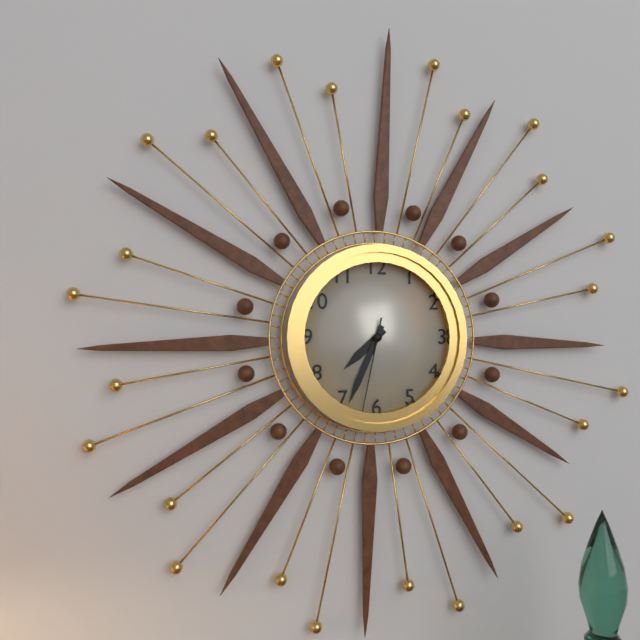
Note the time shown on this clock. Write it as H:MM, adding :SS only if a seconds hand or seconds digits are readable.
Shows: 7:34:32
